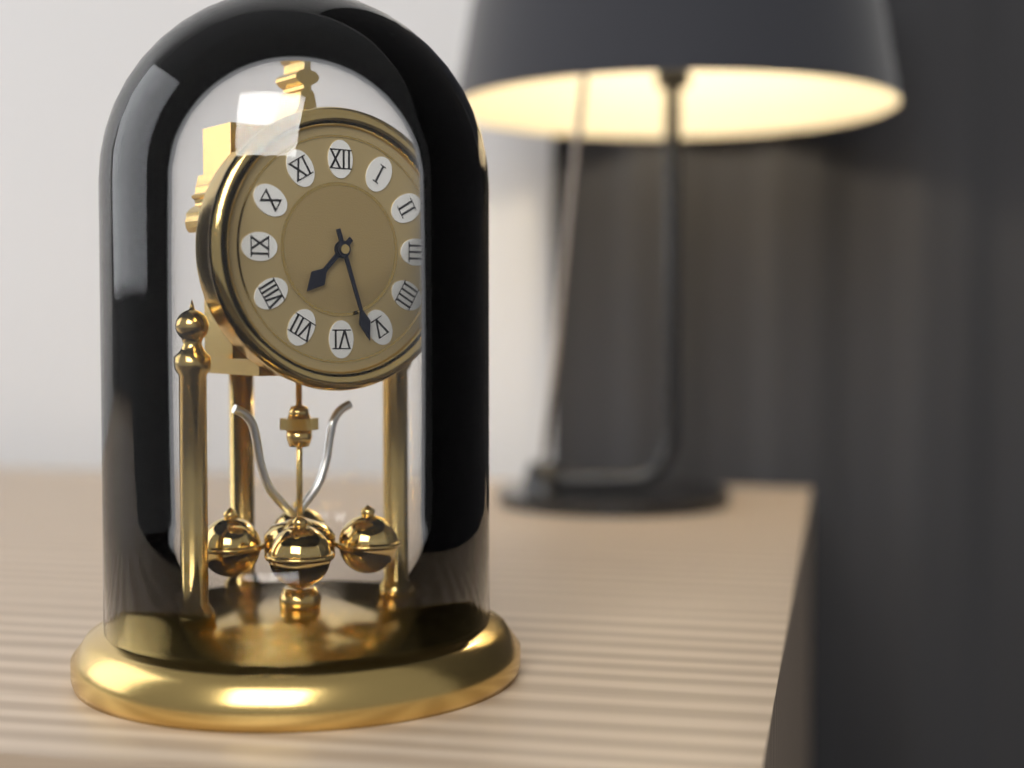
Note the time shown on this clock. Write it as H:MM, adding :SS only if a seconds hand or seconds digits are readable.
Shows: 7:27
